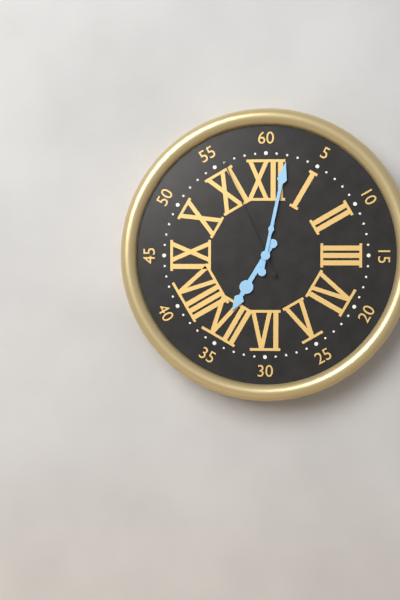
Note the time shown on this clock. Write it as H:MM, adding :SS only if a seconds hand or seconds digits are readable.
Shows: 7:02:56
